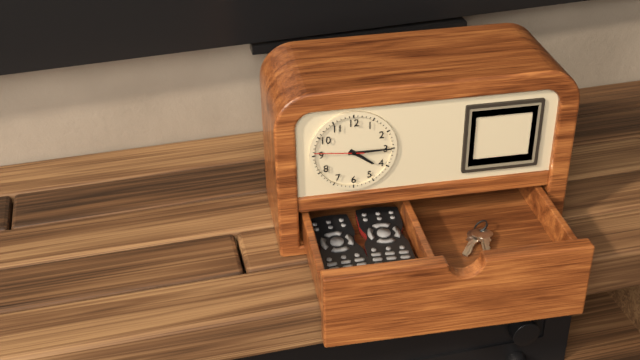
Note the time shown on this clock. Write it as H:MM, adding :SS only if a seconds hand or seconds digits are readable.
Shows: 4:15
